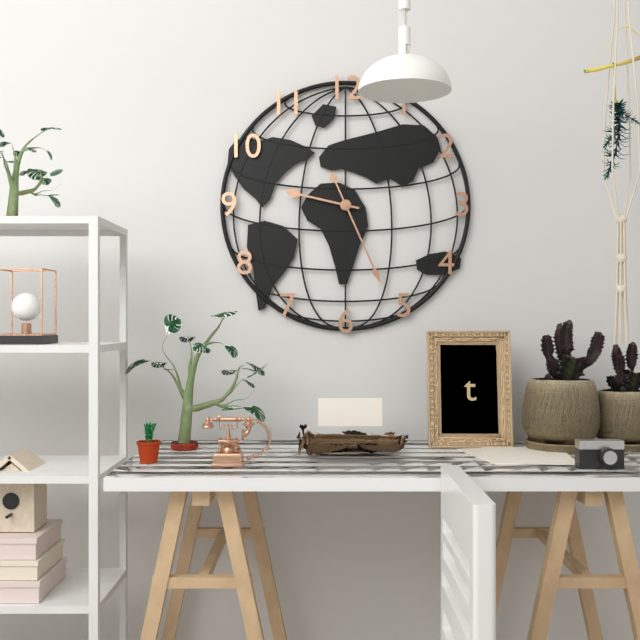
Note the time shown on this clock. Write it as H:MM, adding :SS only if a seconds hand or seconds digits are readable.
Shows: 9:26
